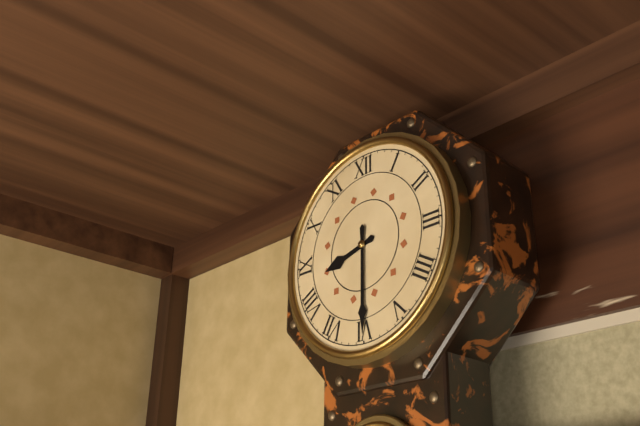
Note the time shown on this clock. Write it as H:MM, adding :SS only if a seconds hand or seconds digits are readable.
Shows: 8:30
